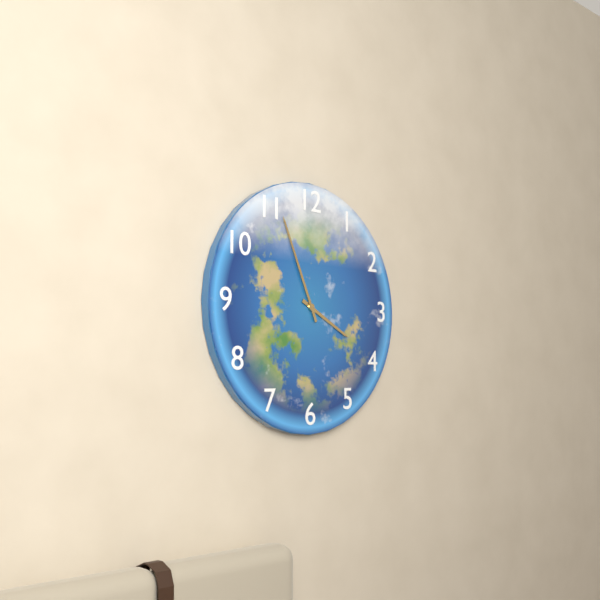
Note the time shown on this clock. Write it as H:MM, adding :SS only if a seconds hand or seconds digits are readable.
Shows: 3:56
